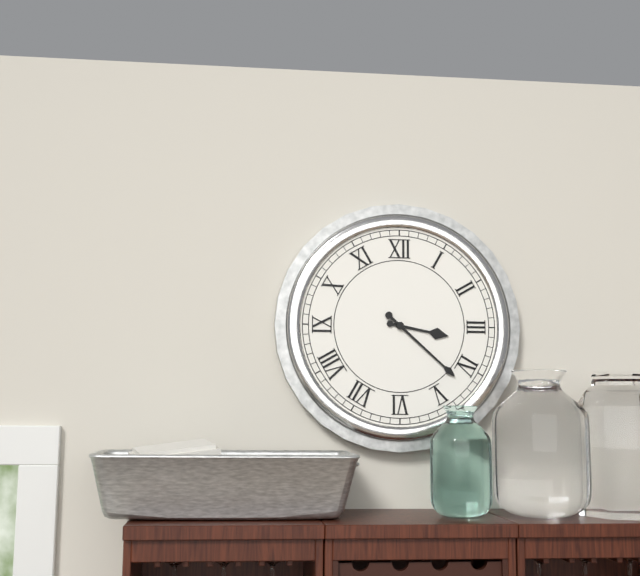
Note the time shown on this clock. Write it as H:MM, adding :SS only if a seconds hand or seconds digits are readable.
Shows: 3:22
